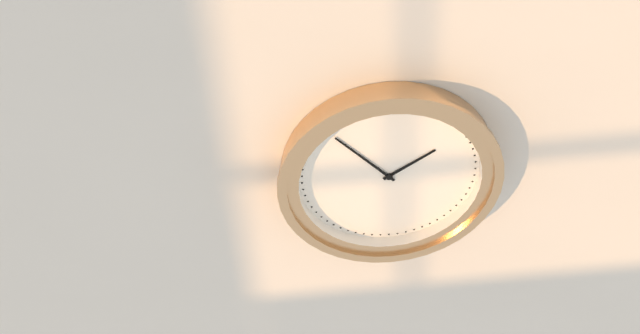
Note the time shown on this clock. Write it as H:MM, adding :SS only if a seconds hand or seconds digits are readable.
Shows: 1:53
